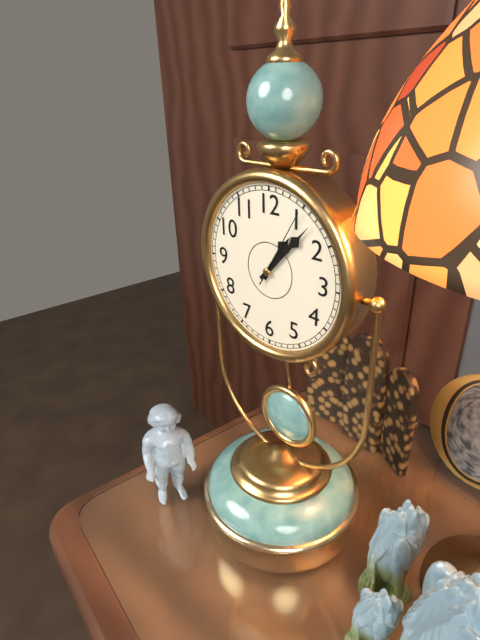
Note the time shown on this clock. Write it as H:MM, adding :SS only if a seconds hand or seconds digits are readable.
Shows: 1:07:05
